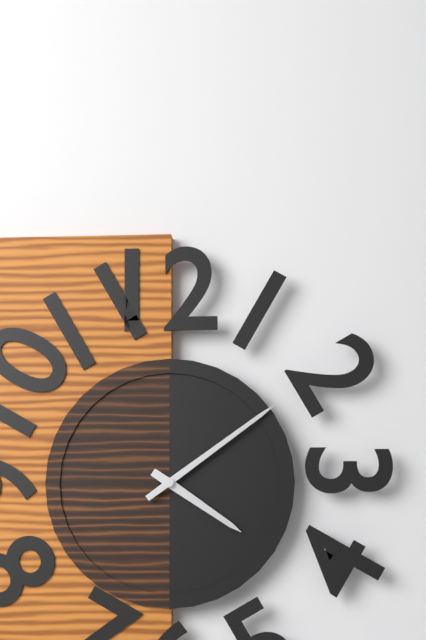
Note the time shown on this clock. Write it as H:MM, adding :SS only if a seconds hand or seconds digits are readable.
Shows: 4:09
